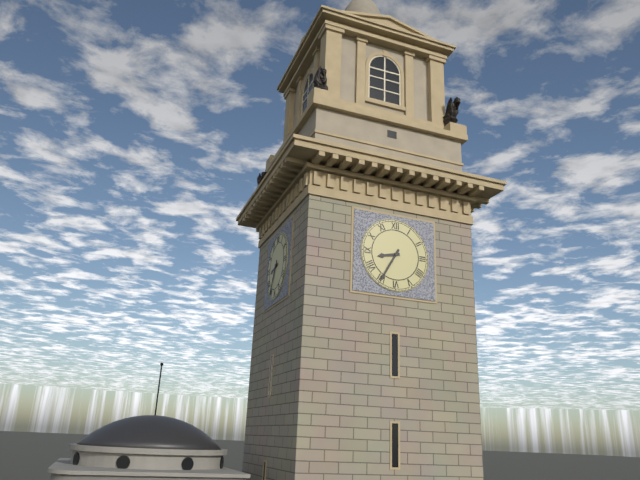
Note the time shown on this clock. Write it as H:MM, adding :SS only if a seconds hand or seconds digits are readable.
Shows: 8:35
